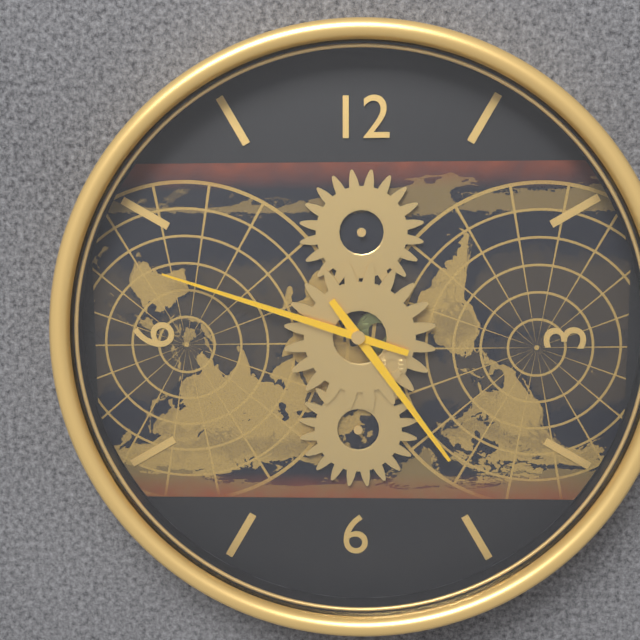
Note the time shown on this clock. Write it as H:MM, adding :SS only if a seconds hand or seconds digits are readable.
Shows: 4:48
